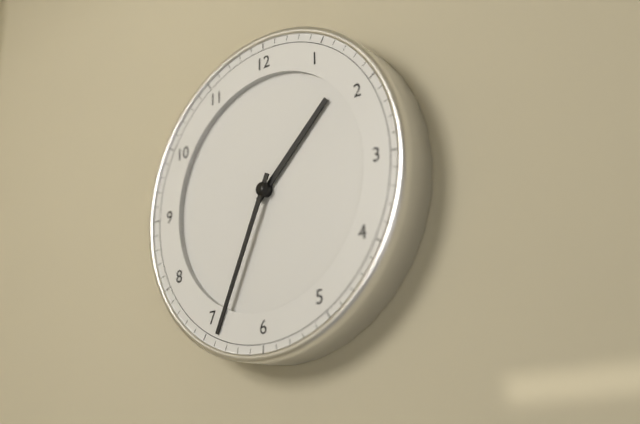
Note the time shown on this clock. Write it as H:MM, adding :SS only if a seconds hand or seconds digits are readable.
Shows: 1:34
